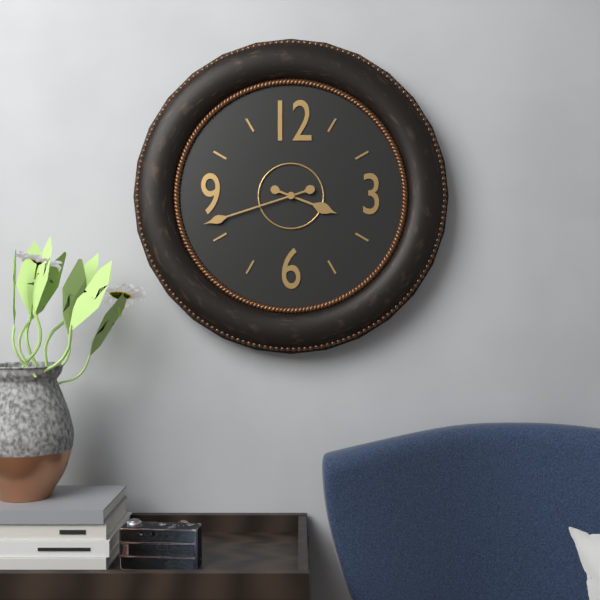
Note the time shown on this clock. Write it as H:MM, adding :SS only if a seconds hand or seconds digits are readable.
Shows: 3:42
